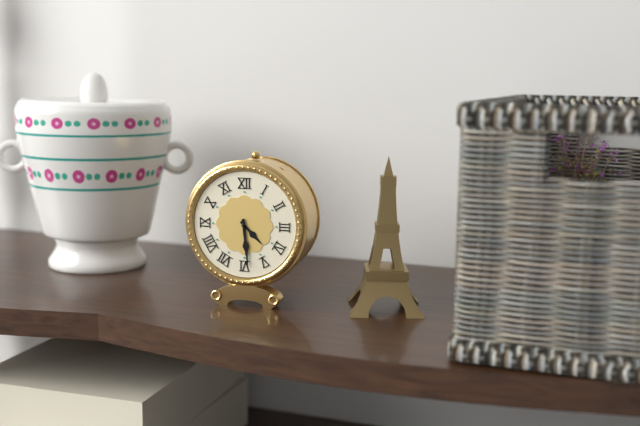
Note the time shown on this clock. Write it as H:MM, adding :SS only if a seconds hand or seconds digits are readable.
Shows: 4:29
